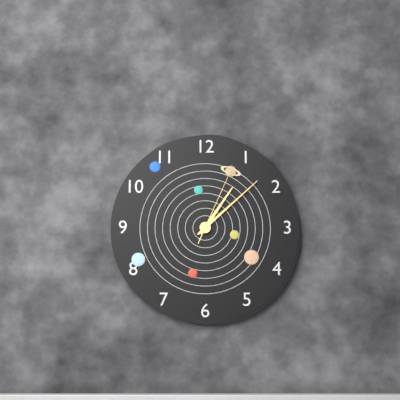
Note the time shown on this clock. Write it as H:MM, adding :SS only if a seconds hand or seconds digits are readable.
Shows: 1:08:04
